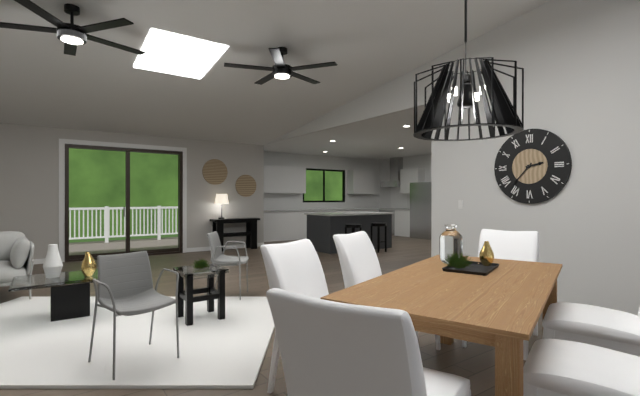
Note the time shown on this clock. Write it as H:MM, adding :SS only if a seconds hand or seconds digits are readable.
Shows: 2:37
